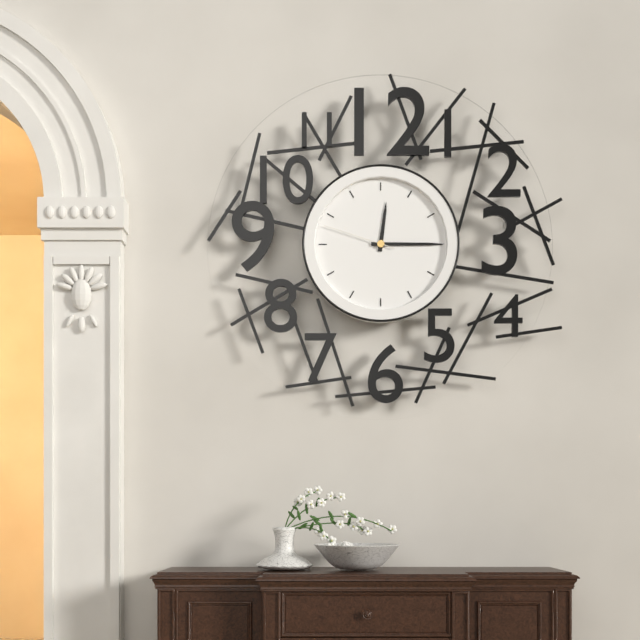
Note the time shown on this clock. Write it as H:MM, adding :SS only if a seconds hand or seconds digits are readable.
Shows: 12:15:48
